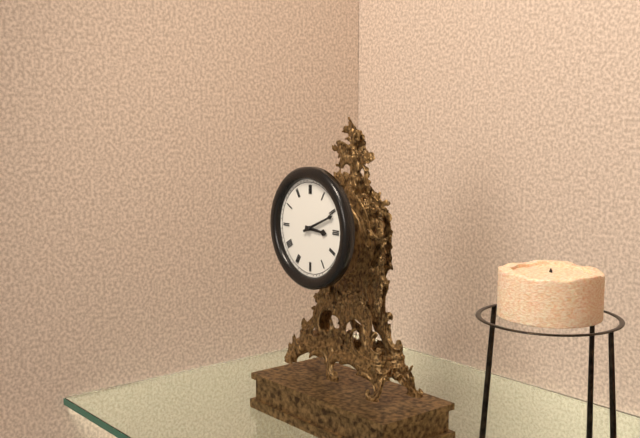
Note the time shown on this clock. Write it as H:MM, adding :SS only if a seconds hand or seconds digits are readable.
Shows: 3:11
